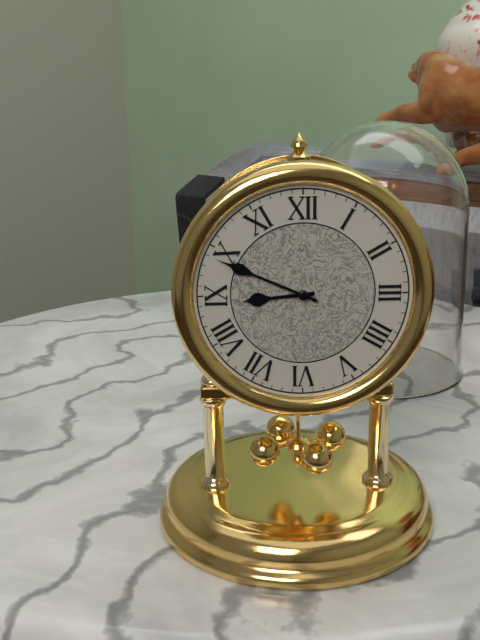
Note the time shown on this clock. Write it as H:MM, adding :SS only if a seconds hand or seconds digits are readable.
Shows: 8:49
